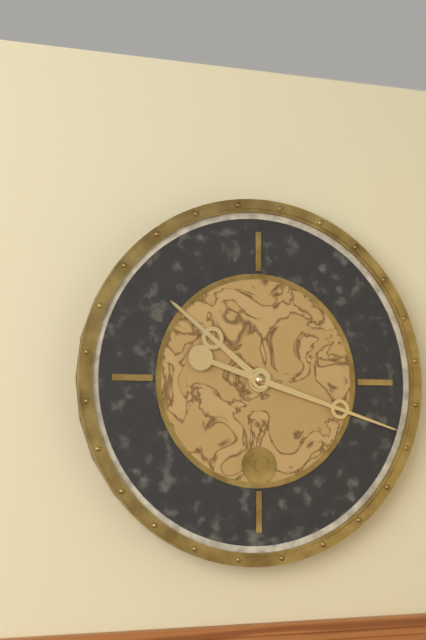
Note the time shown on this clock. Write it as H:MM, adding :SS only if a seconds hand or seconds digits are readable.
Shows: 10:18
